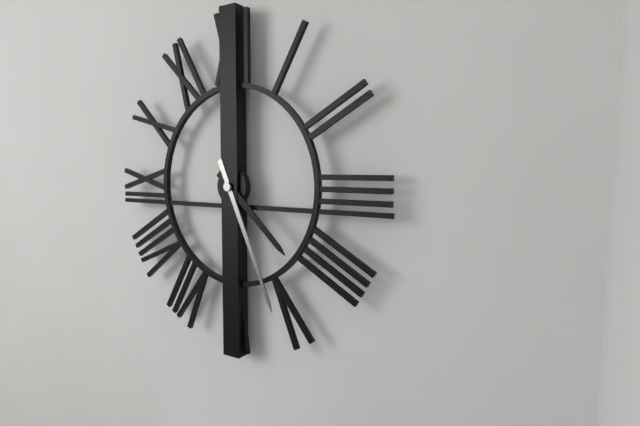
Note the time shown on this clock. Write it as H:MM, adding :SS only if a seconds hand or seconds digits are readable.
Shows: 4:26
